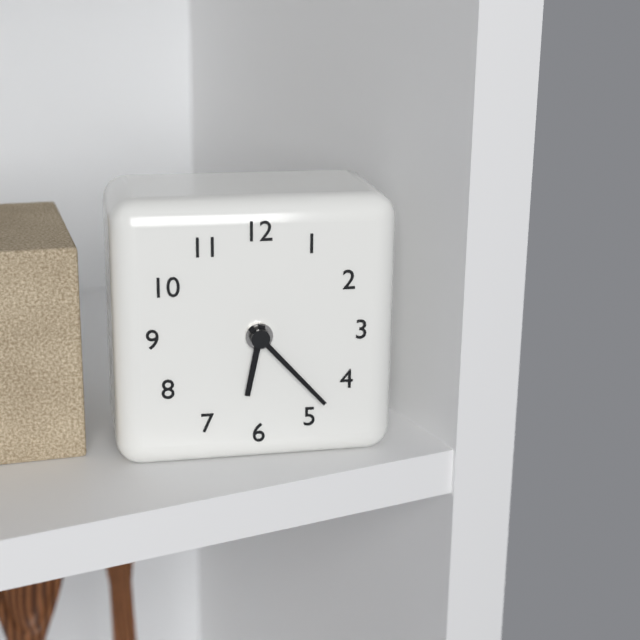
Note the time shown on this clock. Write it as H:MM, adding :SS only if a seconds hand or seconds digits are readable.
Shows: 6:23
